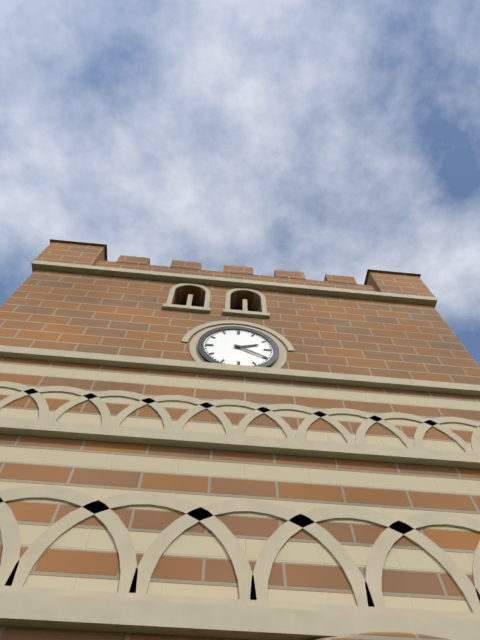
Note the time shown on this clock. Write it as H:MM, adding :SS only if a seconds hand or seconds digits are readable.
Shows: 2:20
